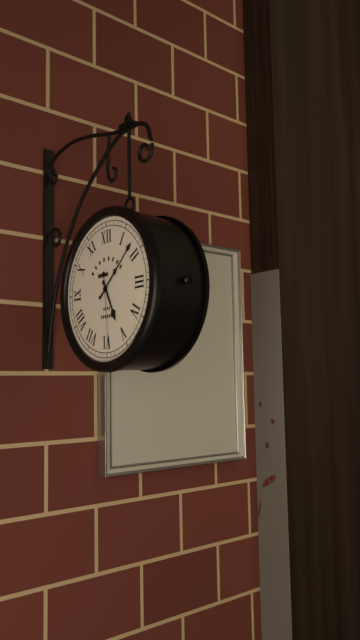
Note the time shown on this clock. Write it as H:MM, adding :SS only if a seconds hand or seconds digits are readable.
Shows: 5:08:29
